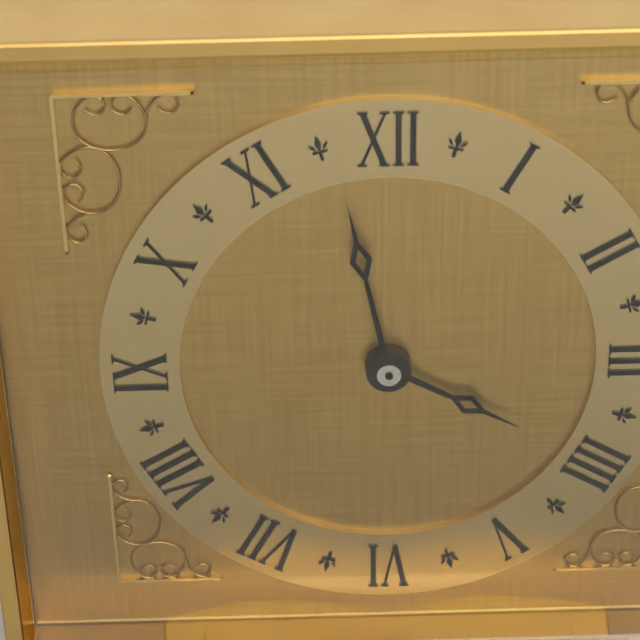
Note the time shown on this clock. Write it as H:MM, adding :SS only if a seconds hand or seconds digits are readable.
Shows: 3:58
